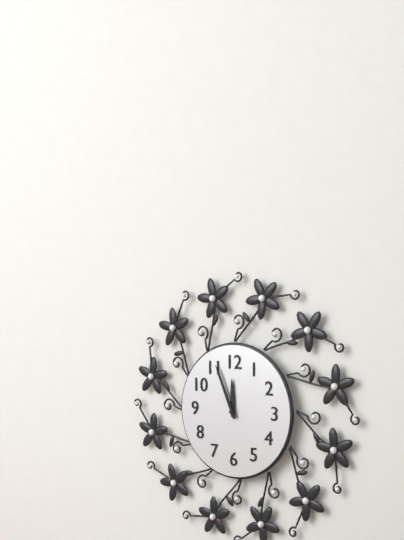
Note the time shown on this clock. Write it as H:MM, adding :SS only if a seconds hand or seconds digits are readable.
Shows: 11:56
